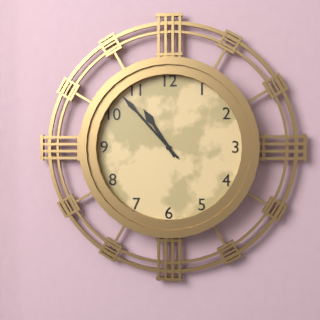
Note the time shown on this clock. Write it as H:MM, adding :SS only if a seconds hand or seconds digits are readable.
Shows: 10:53
